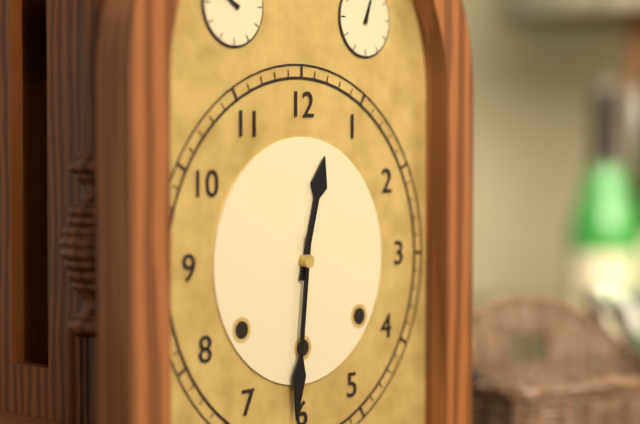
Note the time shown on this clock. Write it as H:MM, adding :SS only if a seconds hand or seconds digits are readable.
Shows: 12:31
